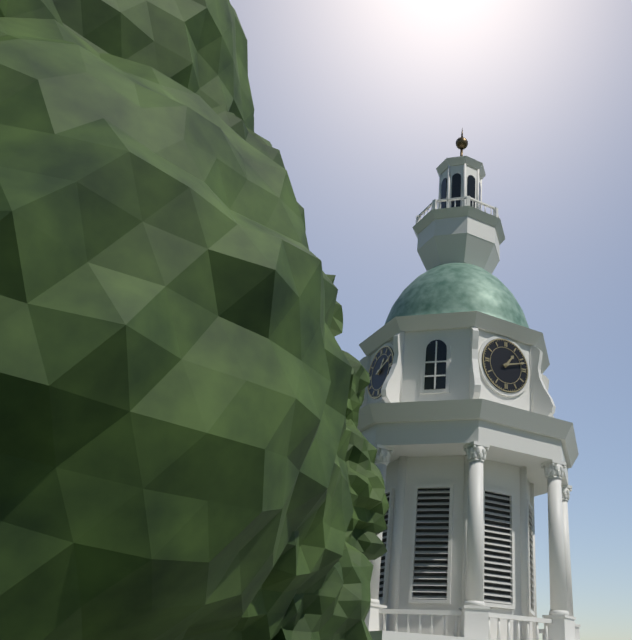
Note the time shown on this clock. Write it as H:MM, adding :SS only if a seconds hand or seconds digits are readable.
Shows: 1:12
